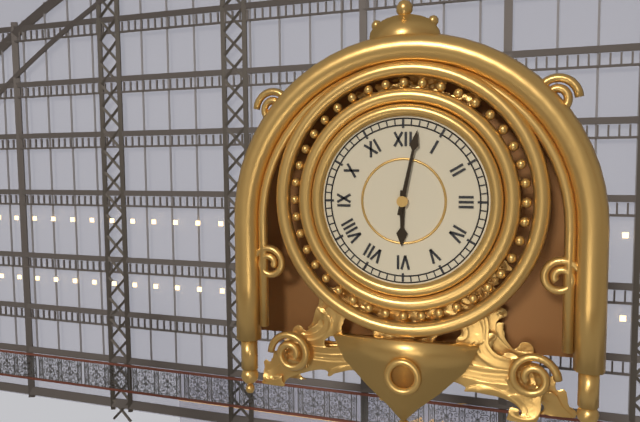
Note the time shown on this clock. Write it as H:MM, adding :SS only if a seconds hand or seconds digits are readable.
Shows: 6:02
